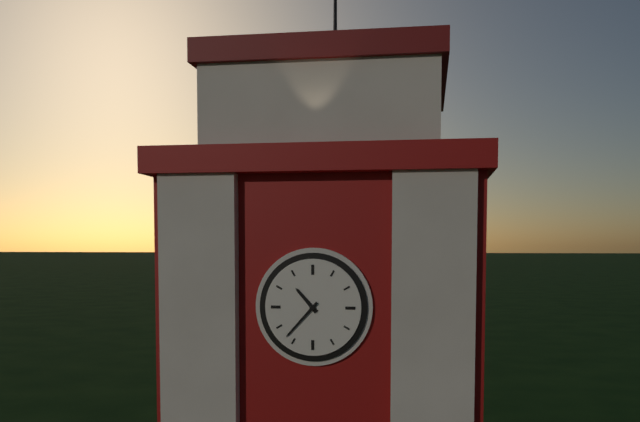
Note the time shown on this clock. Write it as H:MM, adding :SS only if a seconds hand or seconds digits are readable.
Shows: 10:37
